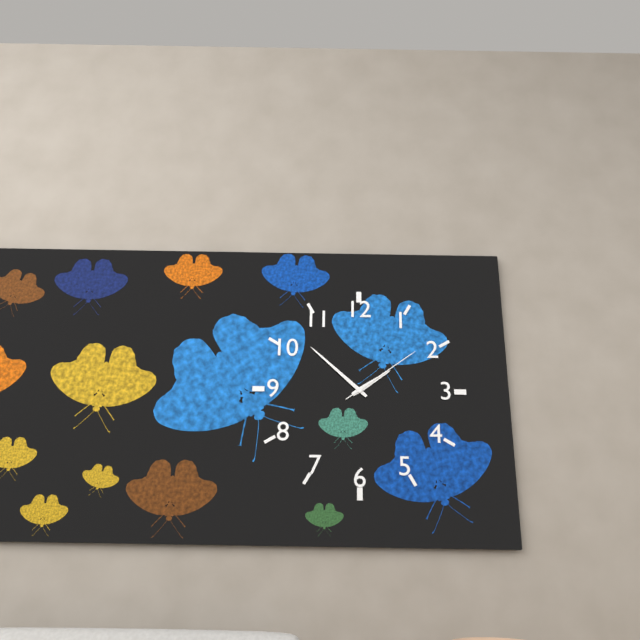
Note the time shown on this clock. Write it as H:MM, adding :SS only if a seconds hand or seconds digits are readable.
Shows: 1:52:09
